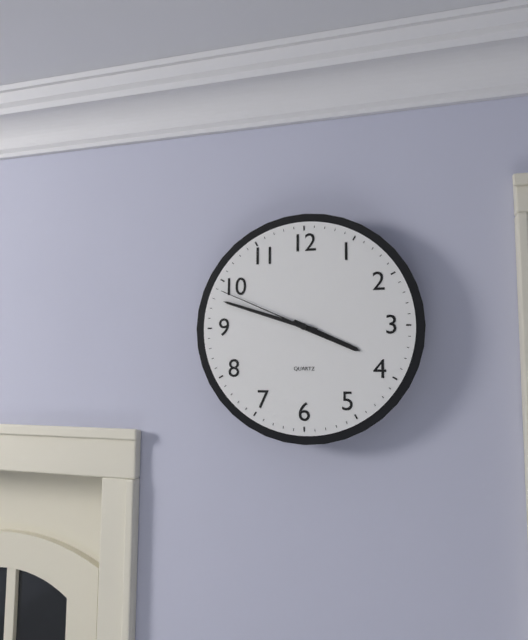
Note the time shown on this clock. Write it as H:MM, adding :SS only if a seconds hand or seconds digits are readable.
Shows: 3:48:49
